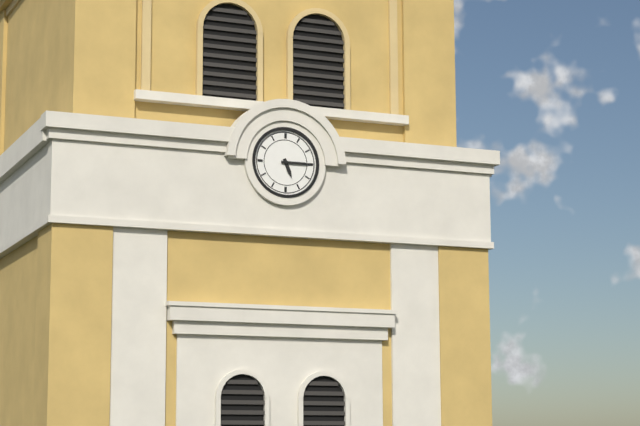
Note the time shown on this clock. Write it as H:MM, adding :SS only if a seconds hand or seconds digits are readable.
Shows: 5:15
